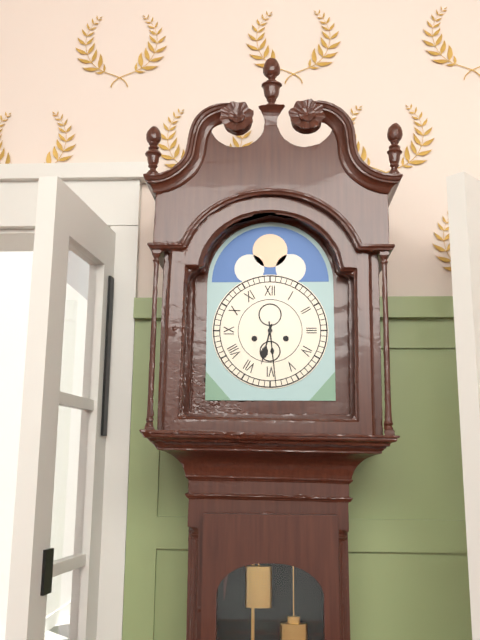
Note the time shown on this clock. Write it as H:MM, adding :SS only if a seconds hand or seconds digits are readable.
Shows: 6:29
